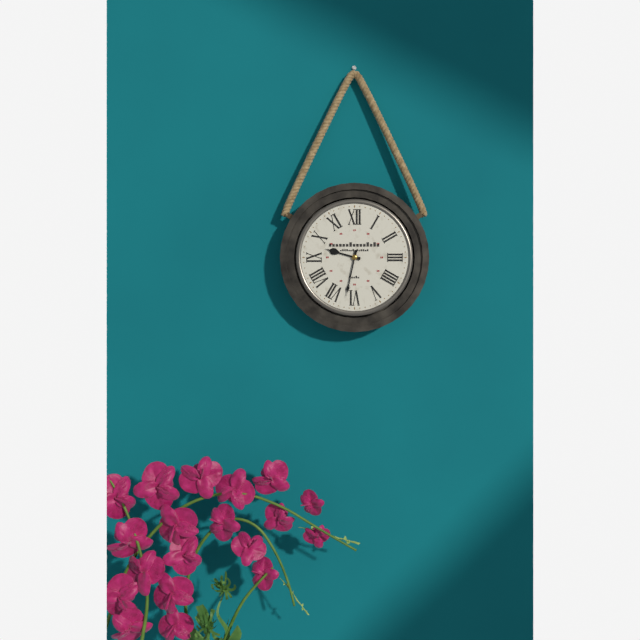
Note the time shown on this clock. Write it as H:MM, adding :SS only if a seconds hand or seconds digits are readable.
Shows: 9:32
